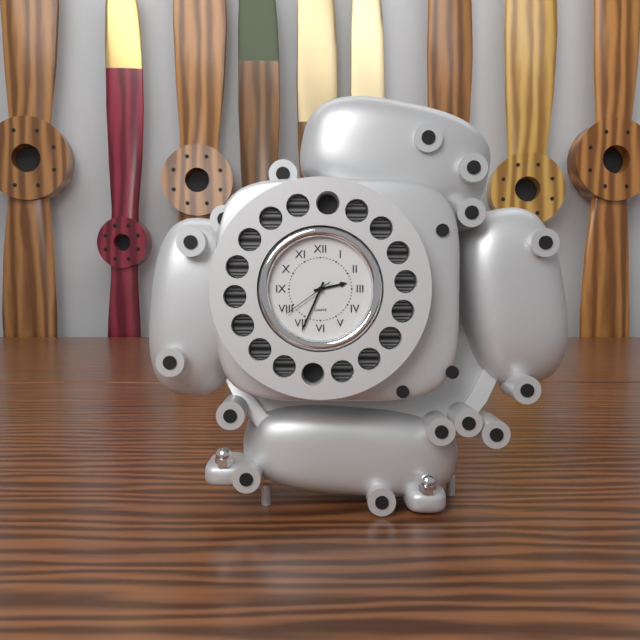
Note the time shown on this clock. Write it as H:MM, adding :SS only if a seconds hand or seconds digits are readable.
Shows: 2:34:39
